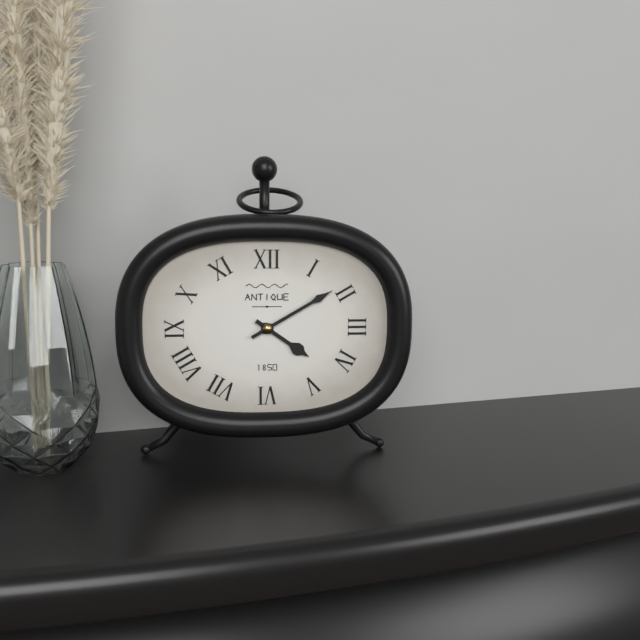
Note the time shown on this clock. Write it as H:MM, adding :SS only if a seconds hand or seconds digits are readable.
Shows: 4:10
